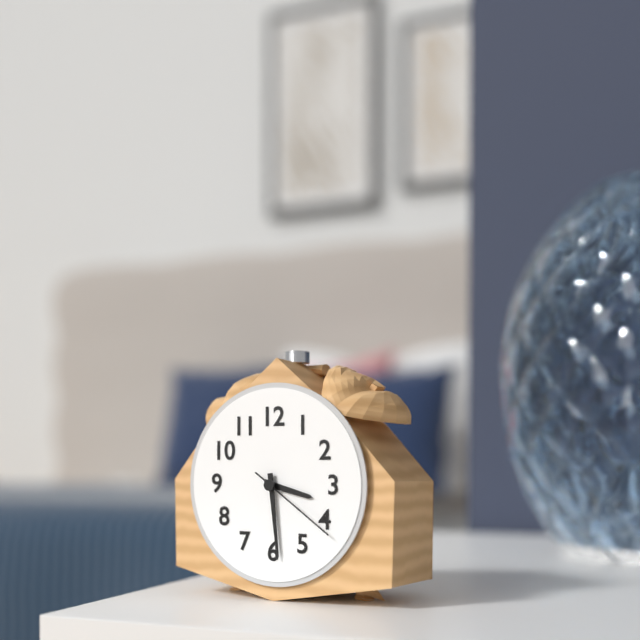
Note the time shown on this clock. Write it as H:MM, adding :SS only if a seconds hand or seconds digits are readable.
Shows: 3:29:21
